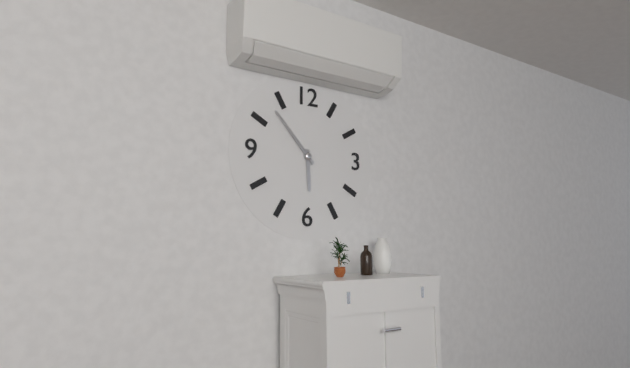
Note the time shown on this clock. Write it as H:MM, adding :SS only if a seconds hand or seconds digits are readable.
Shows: 5:53
